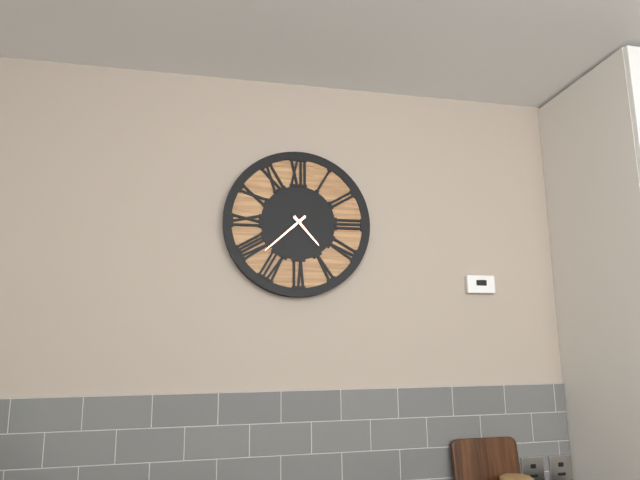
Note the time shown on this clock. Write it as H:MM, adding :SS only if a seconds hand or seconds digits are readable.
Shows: 4:38
